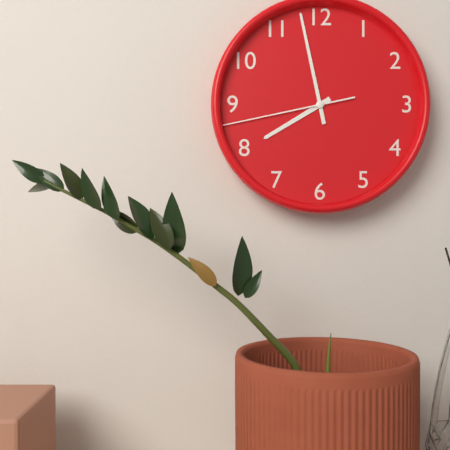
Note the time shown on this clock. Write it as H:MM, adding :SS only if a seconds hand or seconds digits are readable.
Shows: 7:58:43
